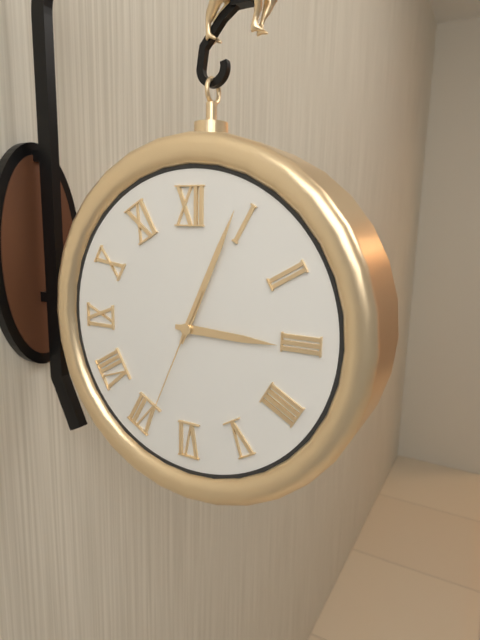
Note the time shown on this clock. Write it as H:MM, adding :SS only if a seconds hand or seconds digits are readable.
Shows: 3:04:34
